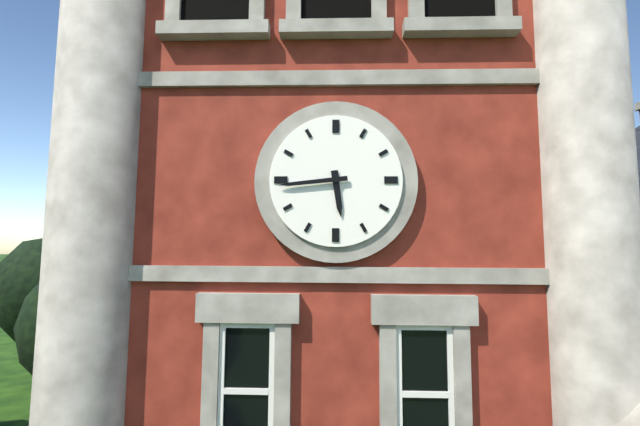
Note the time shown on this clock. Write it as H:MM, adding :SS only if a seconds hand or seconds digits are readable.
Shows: 5:44
